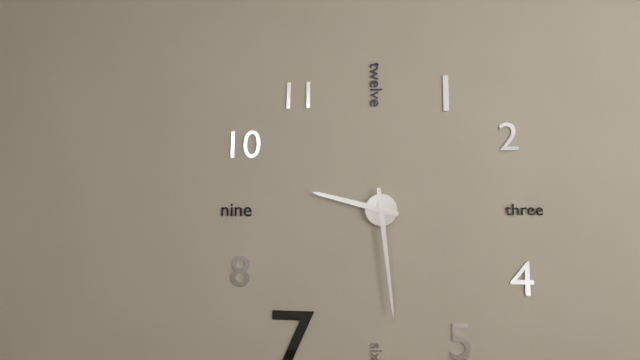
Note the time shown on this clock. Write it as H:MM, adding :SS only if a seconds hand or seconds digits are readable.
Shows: 9:29
